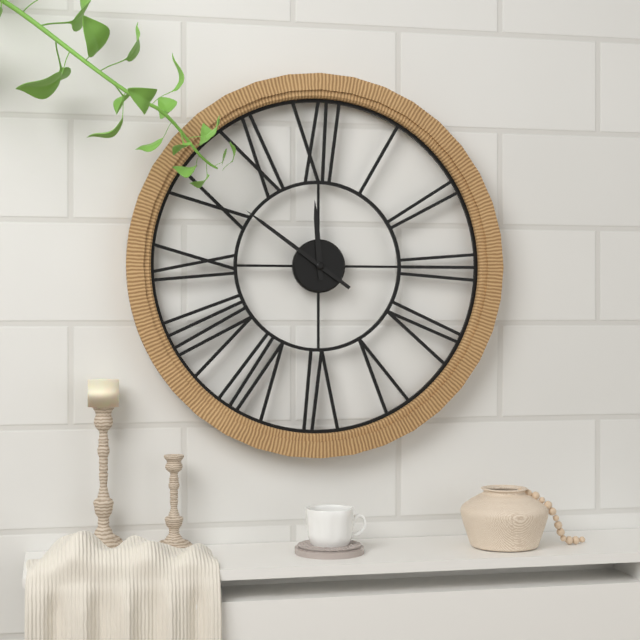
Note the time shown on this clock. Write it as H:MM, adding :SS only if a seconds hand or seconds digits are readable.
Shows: 11:51
